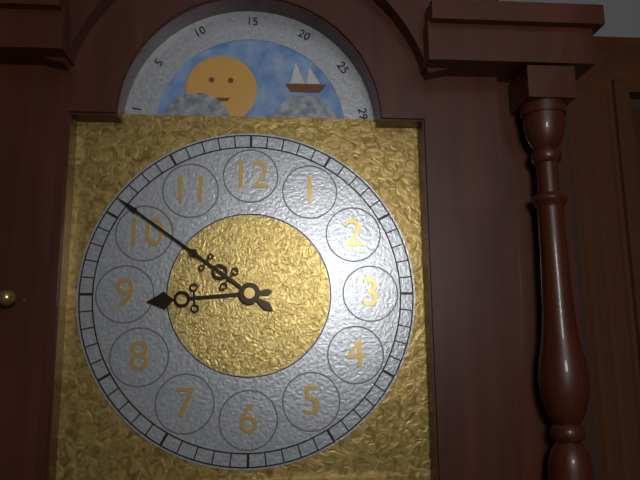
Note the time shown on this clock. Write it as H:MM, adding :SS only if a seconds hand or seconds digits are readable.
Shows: 8:51
